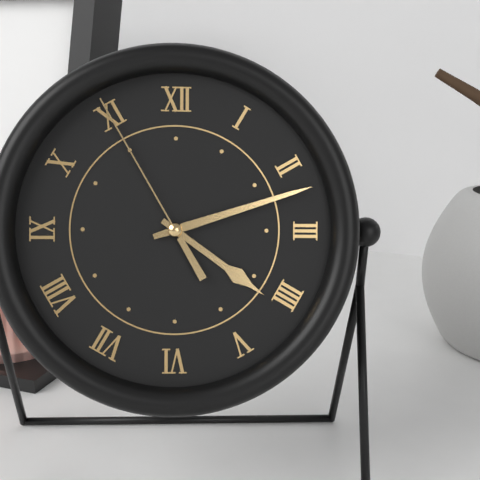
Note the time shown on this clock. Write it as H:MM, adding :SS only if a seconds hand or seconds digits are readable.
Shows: 4:12:55
